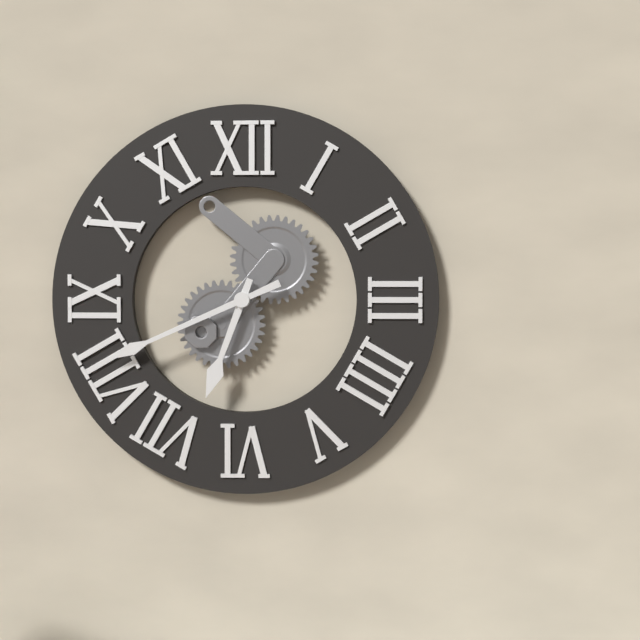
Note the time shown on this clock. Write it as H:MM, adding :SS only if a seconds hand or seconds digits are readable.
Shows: 6:41
